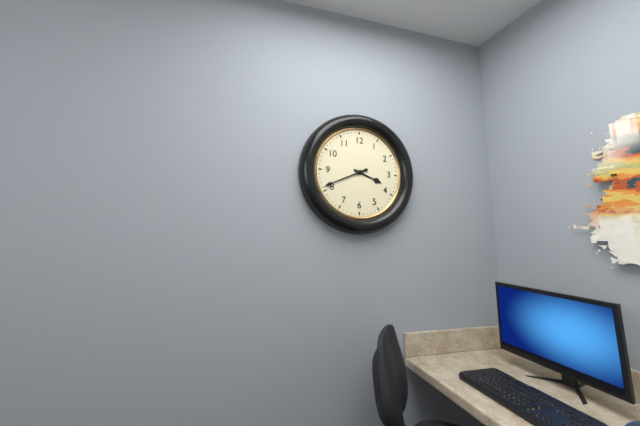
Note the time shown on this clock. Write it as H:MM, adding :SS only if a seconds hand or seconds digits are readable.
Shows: 3:41
